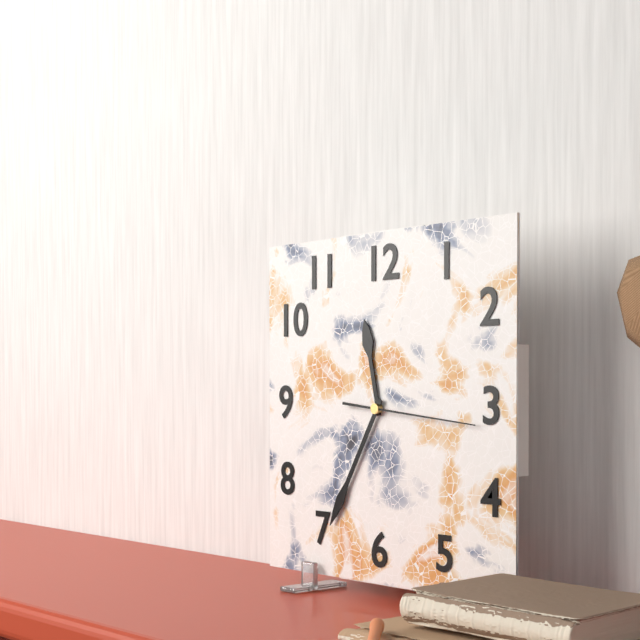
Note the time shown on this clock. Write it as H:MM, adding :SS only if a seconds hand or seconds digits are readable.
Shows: 11:35:16
